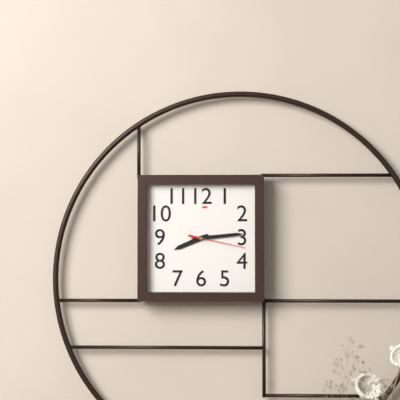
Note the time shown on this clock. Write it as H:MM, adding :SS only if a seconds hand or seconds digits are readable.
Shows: 8:14:17
